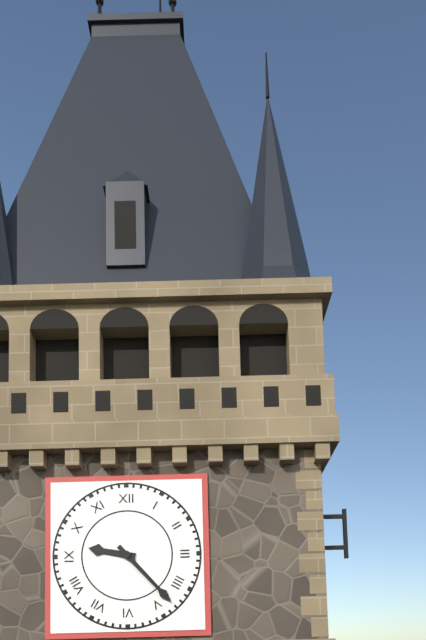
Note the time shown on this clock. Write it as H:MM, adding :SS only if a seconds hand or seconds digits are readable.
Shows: 9:23
